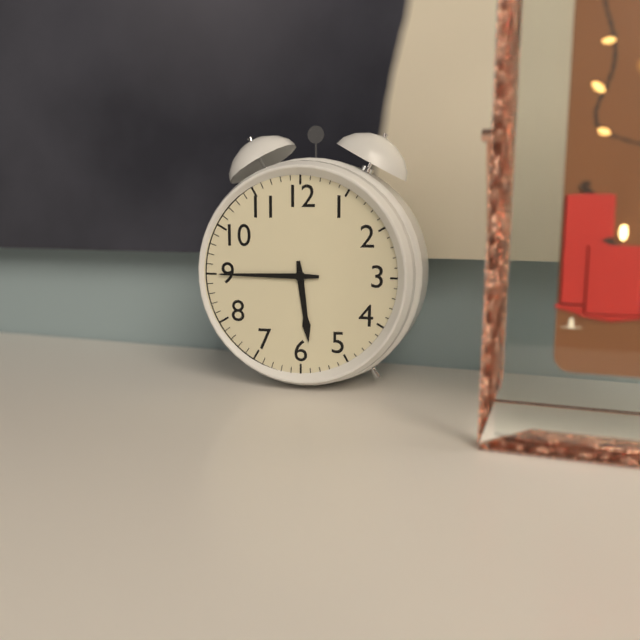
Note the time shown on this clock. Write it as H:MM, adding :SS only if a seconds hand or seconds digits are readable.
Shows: 5:45
